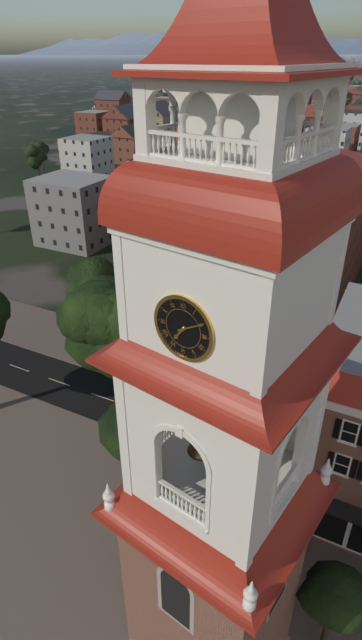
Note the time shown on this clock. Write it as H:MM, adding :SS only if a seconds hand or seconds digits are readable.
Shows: 7:10
